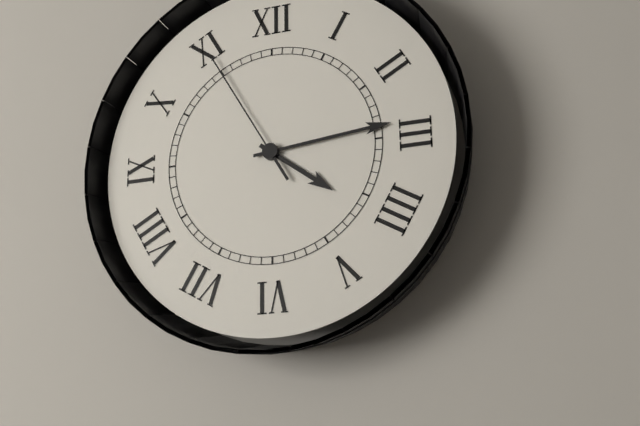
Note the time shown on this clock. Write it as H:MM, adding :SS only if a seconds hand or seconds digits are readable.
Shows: 4:14:55
